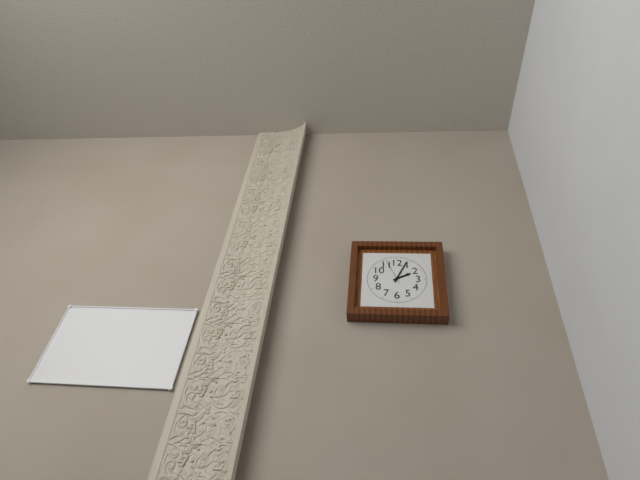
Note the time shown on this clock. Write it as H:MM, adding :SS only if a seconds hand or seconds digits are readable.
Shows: 2:04
